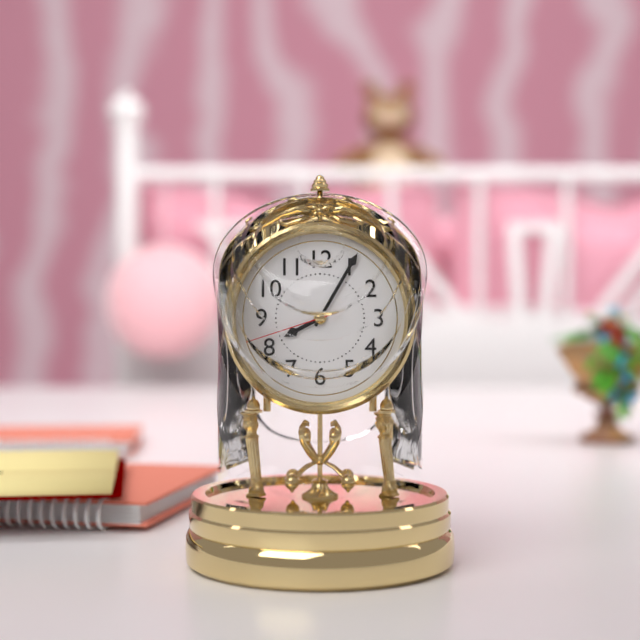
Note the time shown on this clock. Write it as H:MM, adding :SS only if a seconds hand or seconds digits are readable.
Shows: 8:05:42
